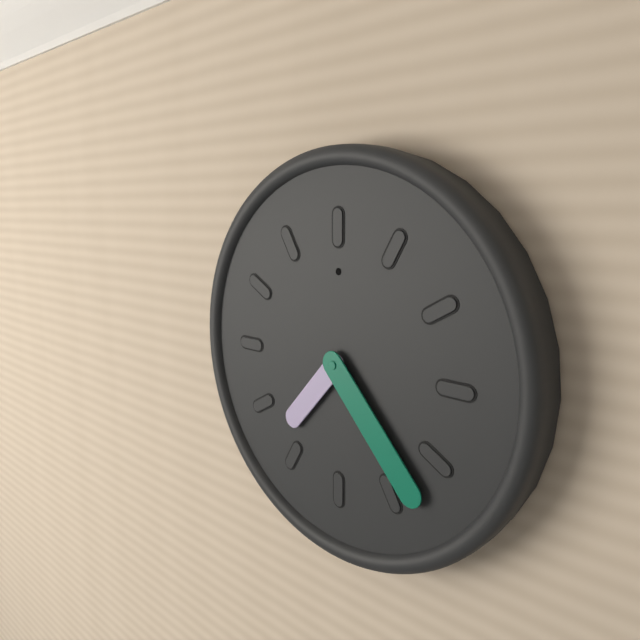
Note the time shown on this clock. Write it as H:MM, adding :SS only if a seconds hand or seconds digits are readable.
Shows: 7:23
